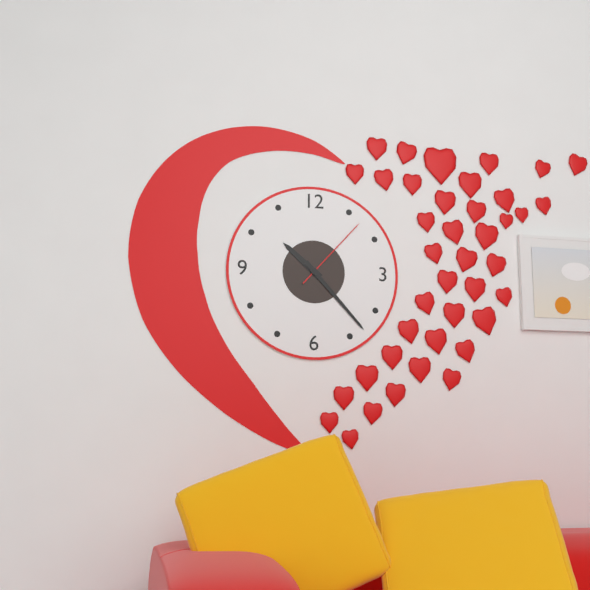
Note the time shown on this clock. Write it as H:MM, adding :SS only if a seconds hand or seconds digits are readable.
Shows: 10:23:07
